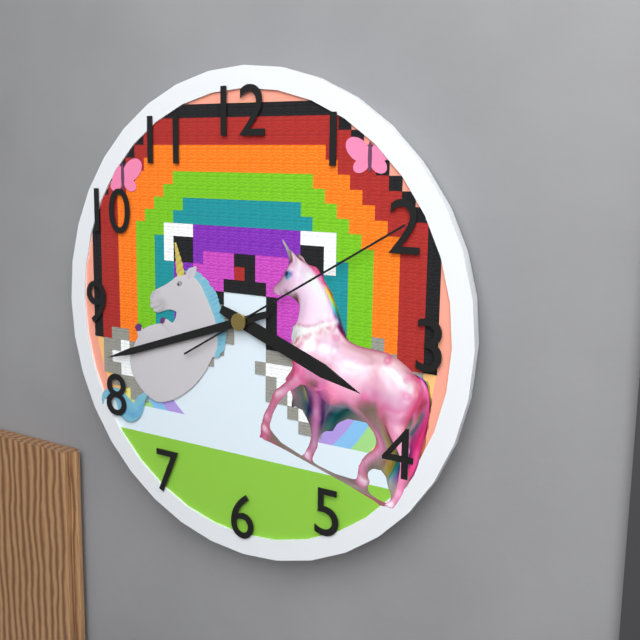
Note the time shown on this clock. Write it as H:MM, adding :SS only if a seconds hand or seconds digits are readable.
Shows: 3:42:10
